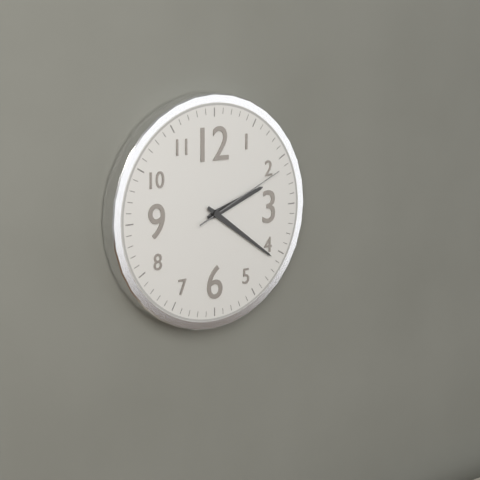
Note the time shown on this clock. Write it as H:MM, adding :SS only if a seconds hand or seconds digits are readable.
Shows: 2:21:11
